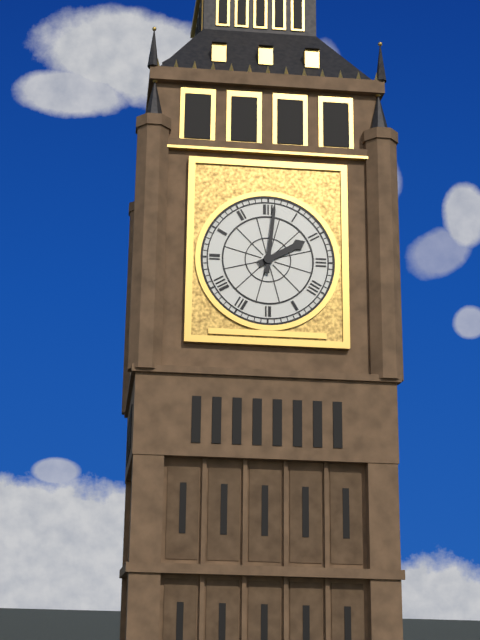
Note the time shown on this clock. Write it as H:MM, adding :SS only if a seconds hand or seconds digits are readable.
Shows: 2:01
